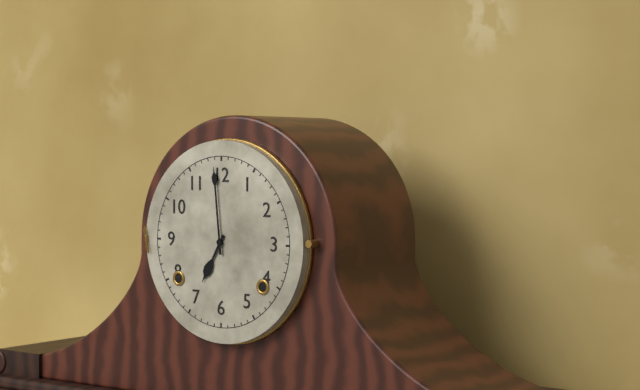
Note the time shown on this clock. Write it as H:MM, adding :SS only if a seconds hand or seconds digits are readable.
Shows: 6:59
